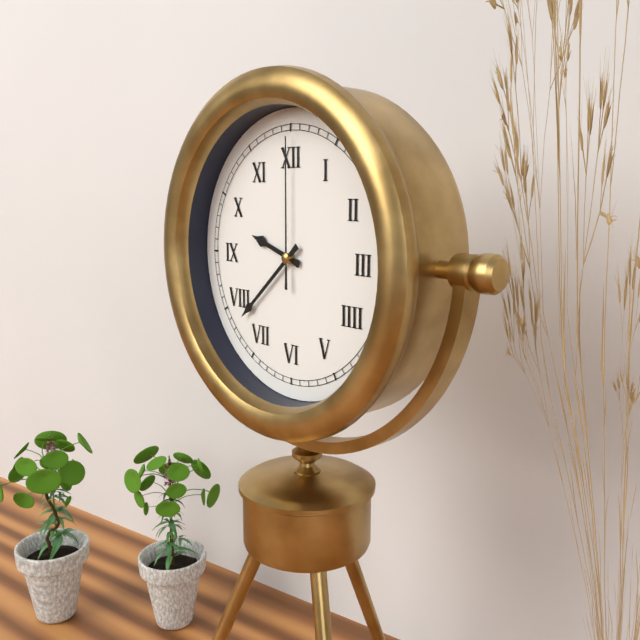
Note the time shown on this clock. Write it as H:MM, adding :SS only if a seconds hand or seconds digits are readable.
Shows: 9:38:00
